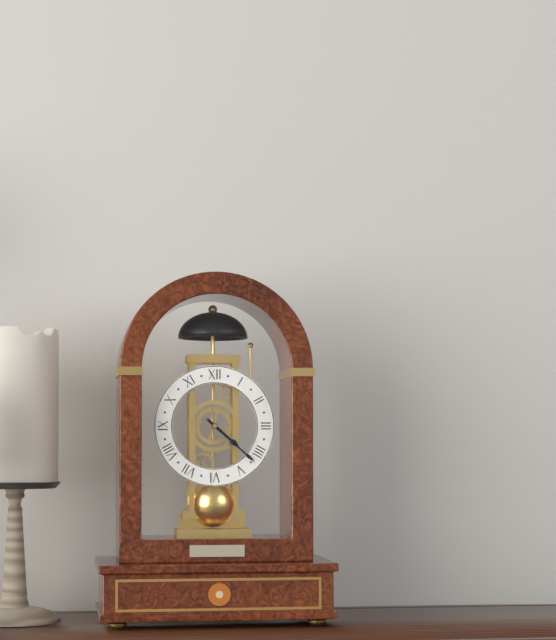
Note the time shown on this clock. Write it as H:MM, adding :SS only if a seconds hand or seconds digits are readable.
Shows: 4:22
